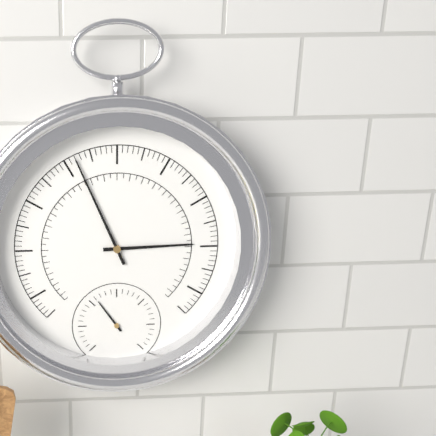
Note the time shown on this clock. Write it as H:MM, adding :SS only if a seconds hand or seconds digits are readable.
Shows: 2:56
